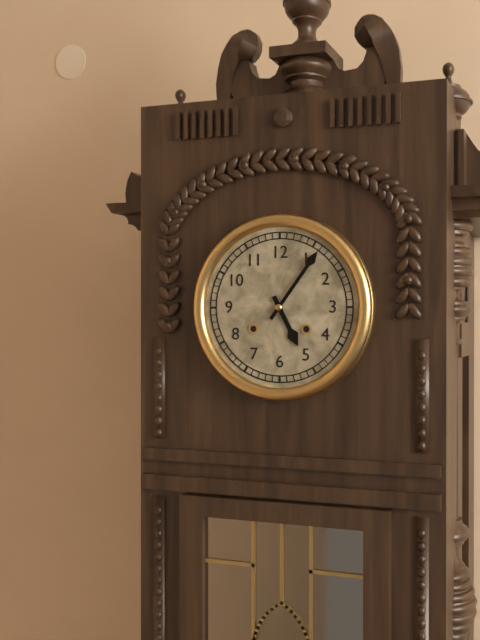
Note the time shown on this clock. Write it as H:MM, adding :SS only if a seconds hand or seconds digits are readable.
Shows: 5:06
